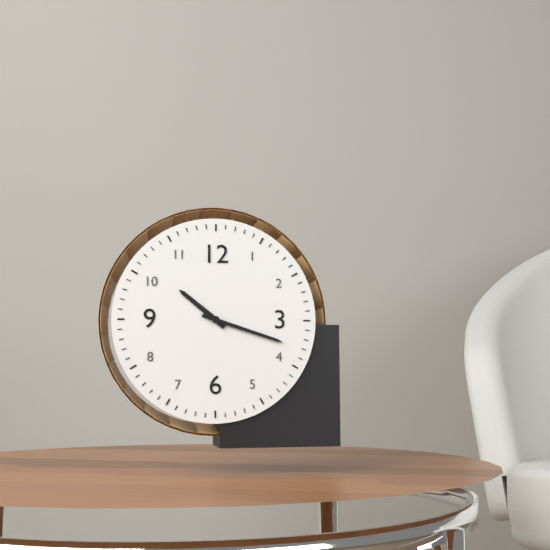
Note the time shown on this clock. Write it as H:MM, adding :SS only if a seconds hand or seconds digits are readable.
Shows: 10:18
